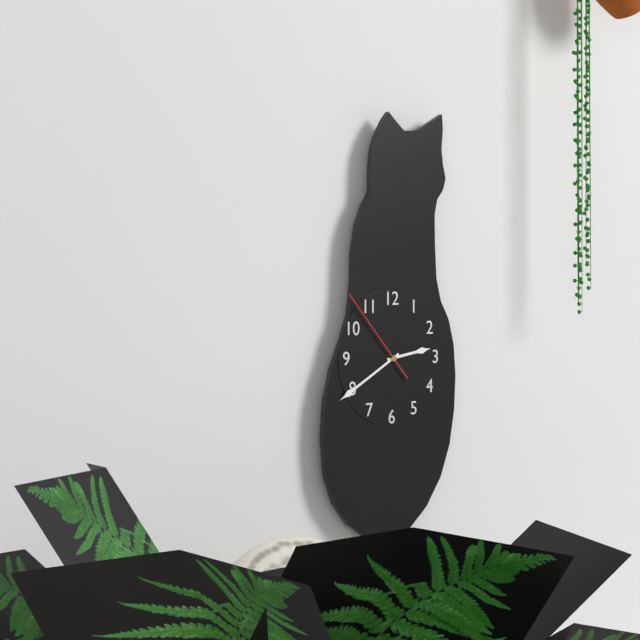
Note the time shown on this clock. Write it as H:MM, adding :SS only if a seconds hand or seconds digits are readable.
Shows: 2:40:53
